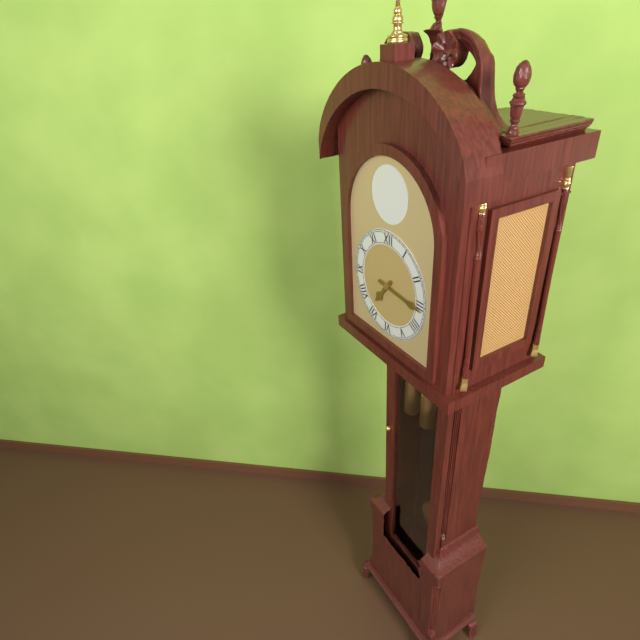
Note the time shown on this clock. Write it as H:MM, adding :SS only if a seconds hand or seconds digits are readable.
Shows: 7:16
